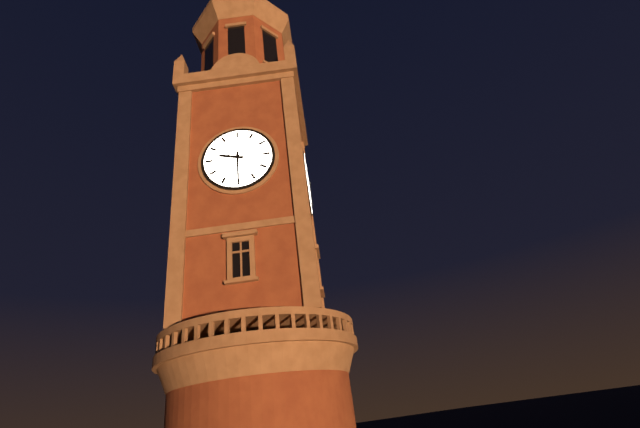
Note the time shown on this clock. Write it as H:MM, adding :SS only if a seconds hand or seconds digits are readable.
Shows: 9:30
